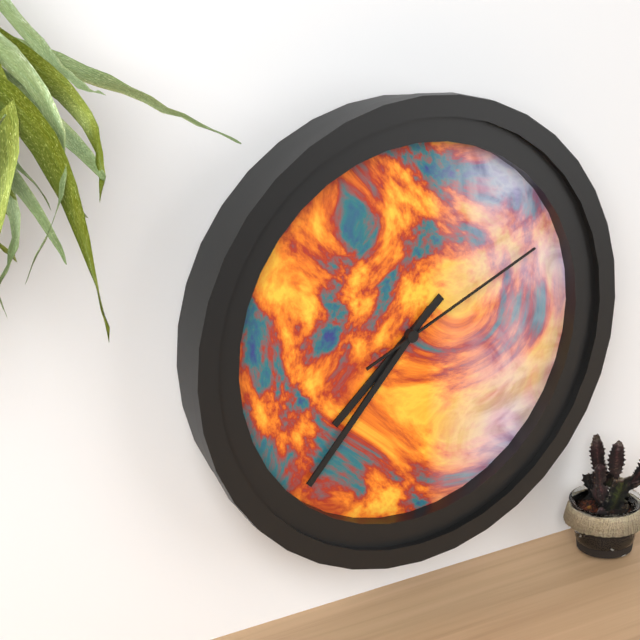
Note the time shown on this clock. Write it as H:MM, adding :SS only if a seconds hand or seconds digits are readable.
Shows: 7:37:11
